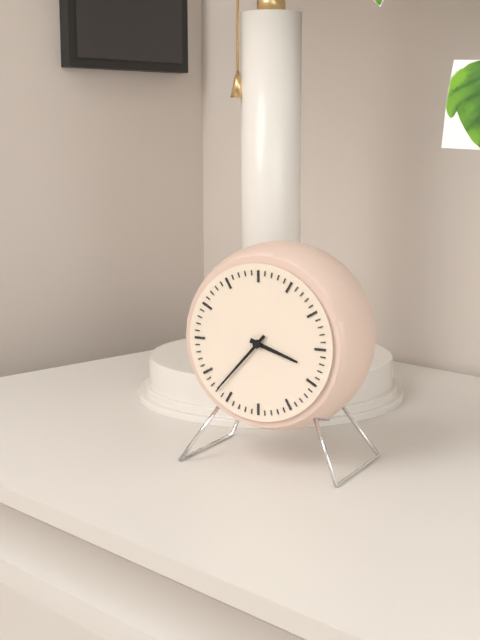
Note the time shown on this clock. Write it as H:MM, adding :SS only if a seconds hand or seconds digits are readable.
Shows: 3:37
